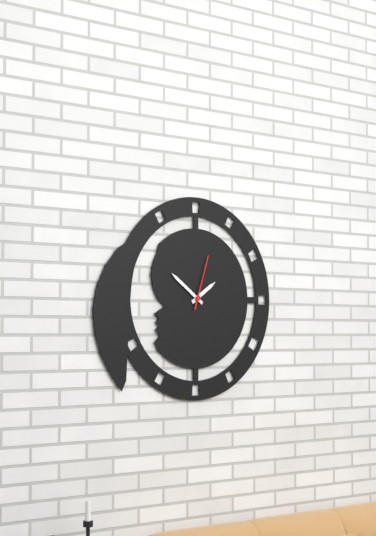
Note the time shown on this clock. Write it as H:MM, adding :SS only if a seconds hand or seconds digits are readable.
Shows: 1:51:03
